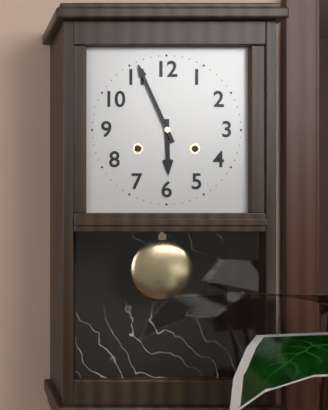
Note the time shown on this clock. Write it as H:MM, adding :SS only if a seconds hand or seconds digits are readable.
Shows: 5:56
